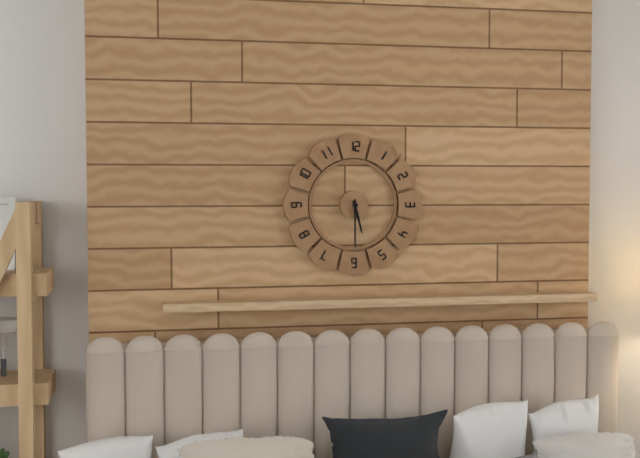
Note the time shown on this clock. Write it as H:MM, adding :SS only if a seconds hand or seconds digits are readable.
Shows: 5:30
